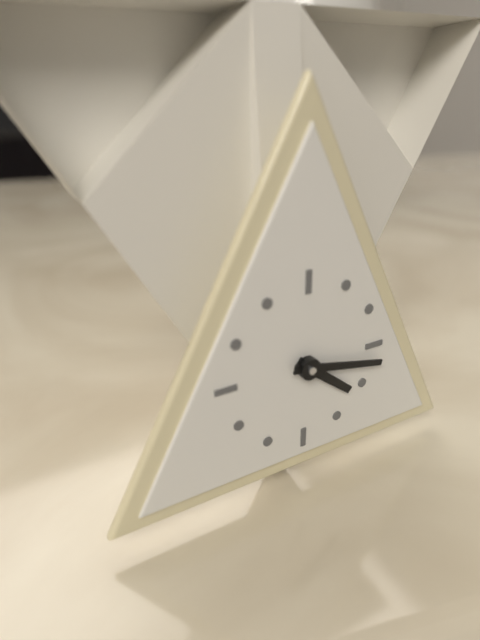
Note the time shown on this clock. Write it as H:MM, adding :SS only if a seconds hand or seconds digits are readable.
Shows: 4:17
